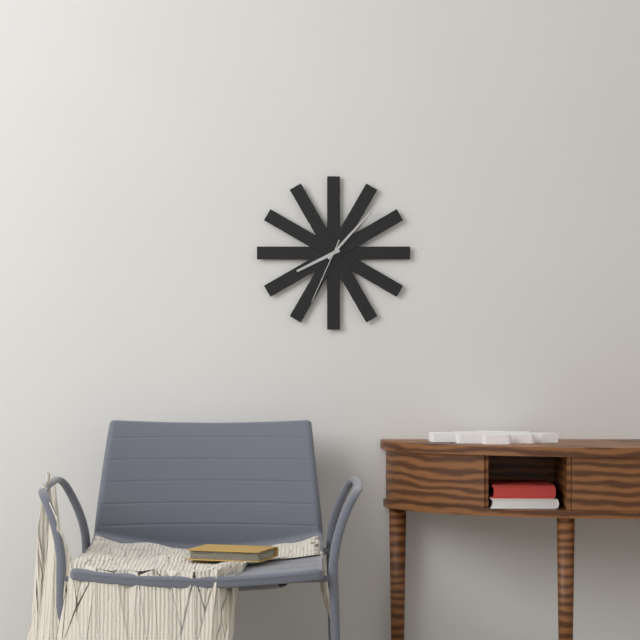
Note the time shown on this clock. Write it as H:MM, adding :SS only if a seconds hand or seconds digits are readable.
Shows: 8:07:34
